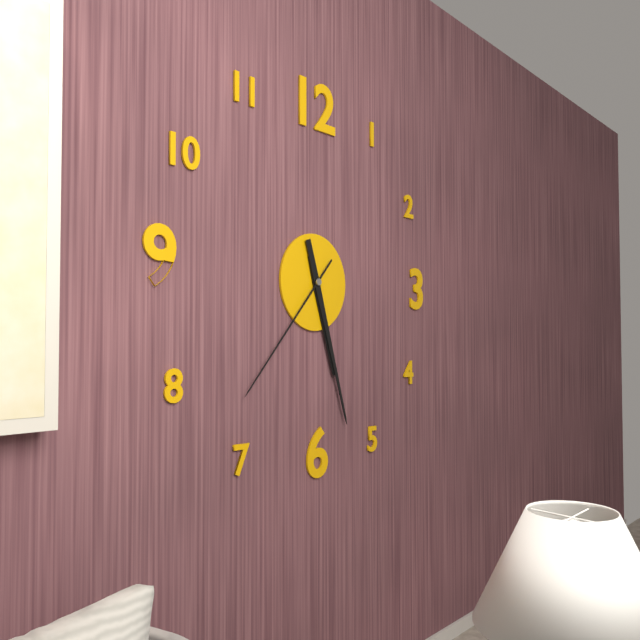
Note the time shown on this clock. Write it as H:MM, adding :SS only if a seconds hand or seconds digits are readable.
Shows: 5:27:37
